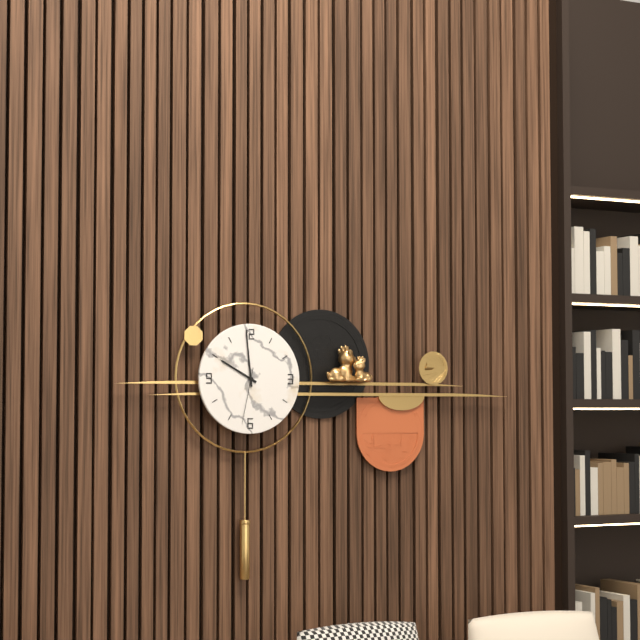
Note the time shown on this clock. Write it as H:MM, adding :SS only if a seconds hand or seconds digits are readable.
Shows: 9:59:32
